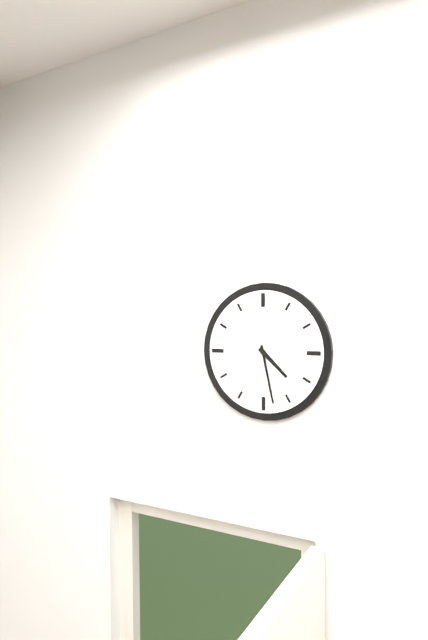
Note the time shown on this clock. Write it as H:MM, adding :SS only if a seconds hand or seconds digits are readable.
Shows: 4:28
